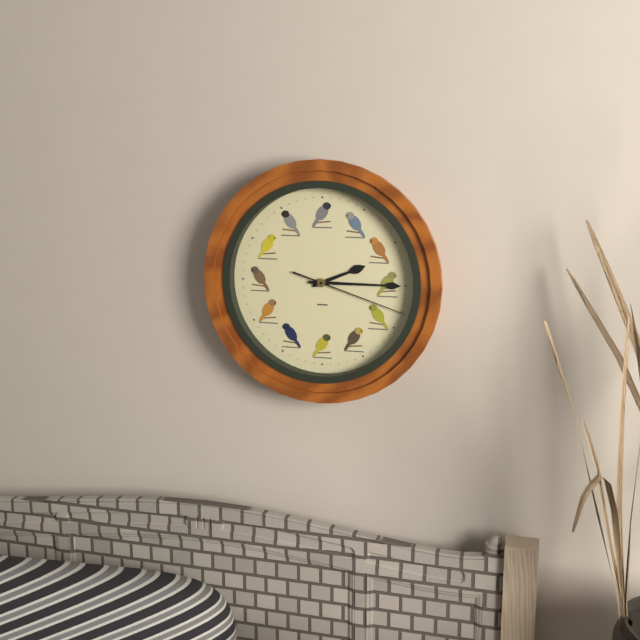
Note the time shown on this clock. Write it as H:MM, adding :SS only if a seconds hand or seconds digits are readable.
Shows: 2:15:18
